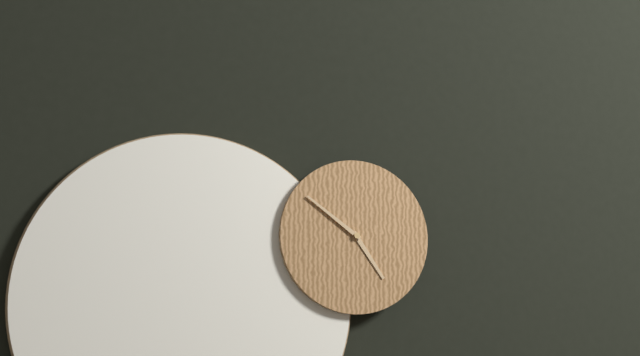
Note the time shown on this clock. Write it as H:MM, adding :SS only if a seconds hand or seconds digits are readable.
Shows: 4:51
